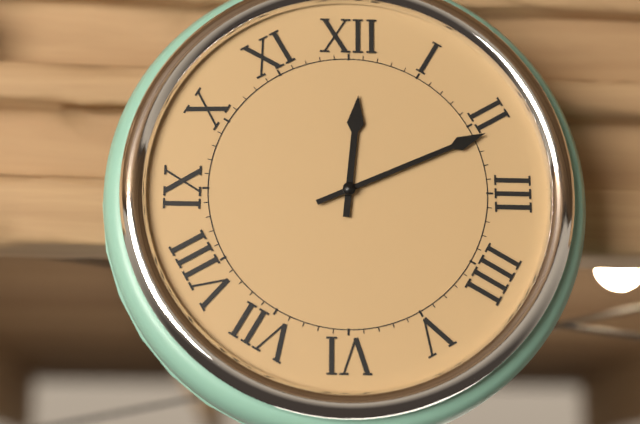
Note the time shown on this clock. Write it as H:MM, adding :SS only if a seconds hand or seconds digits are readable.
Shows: 12:11
